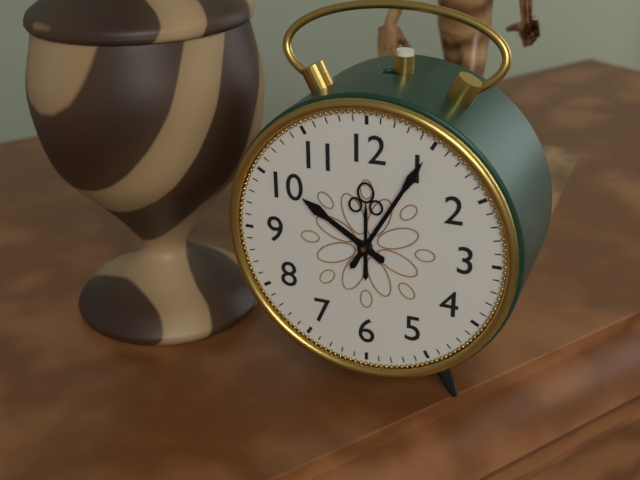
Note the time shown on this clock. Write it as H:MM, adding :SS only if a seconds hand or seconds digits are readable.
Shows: 10:05
